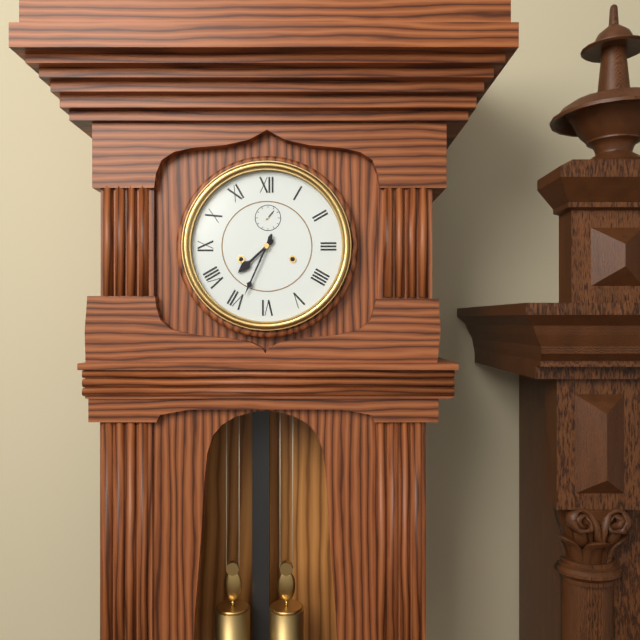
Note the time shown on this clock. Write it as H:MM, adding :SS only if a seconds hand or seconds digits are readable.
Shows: 7:34
